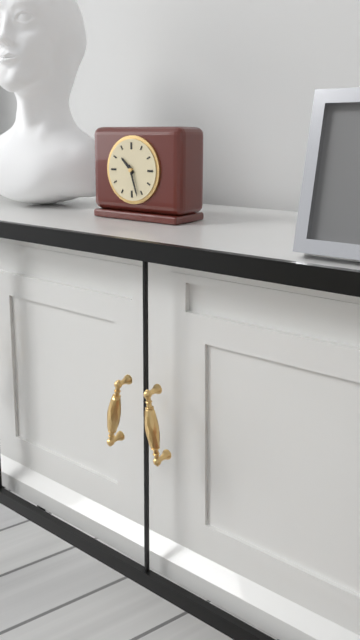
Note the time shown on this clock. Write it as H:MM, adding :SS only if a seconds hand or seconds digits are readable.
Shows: 10:27
